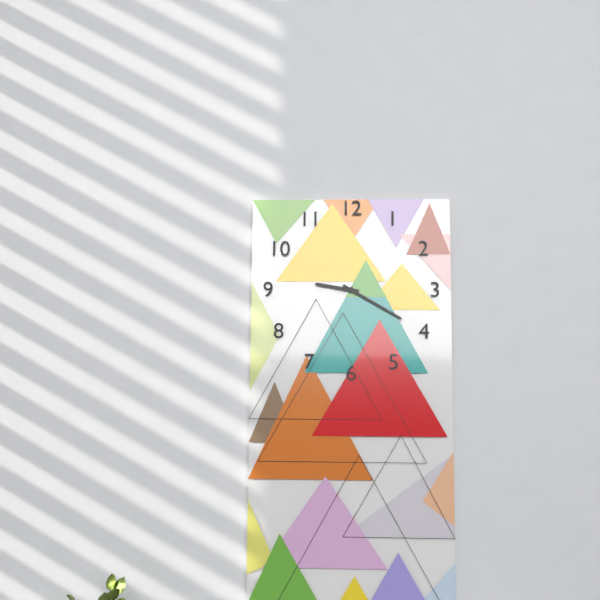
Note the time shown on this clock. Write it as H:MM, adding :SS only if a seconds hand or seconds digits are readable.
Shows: 9:20
